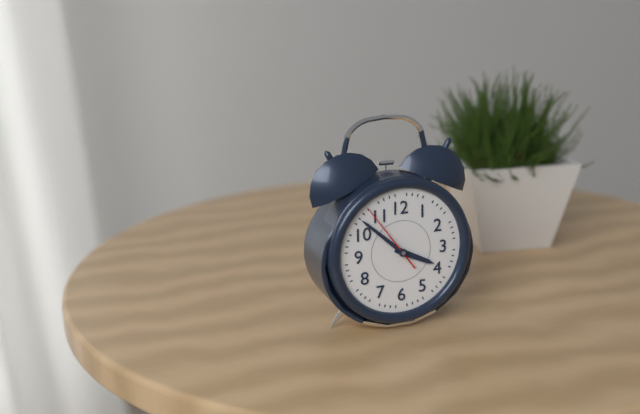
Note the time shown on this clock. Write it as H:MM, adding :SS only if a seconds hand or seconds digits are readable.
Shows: 3:52:54
